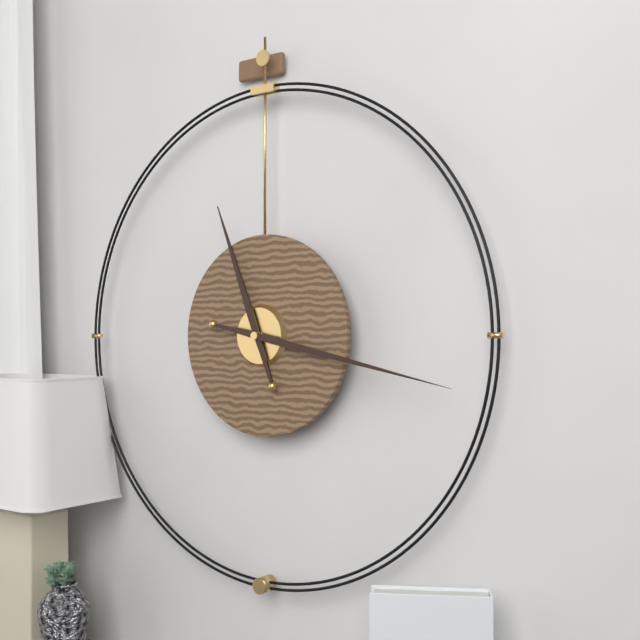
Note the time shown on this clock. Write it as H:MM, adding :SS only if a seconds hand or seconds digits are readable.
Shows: 11:17
